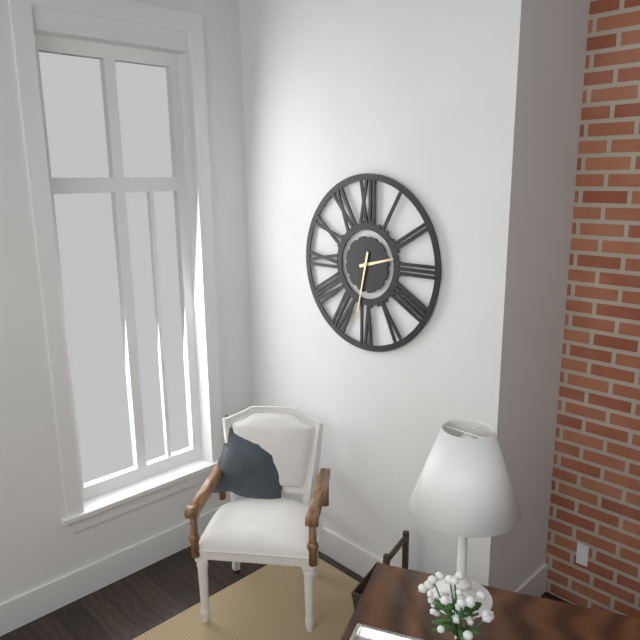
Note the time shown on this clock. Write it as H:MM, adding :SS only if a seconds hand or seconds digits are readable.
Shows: 2:32
